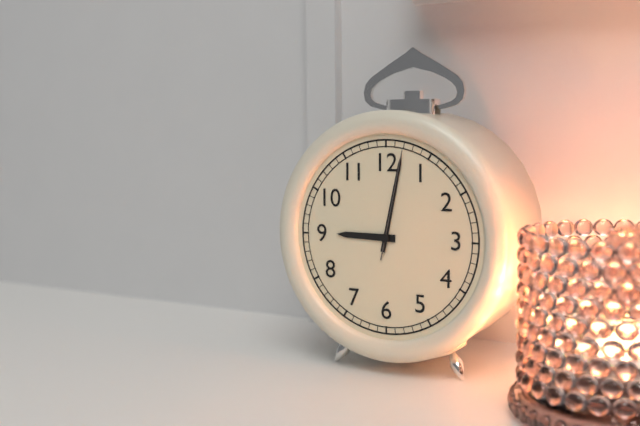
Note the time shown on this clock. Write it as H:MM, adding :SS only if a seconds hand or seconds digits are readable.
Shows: 9:02:02
